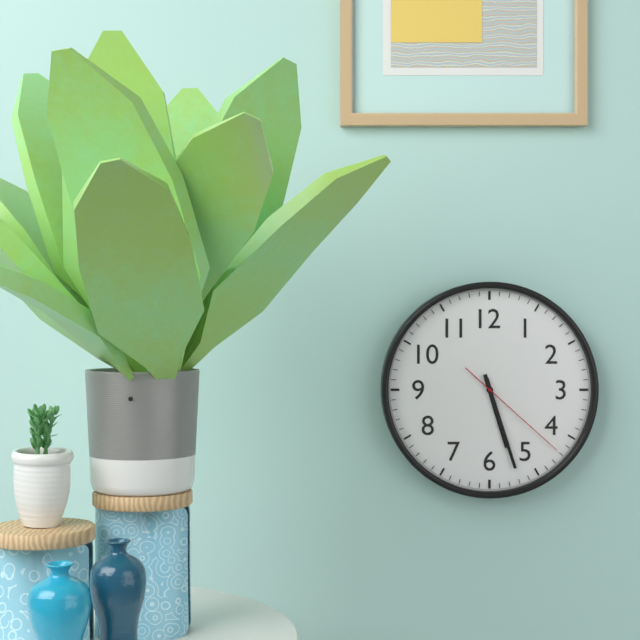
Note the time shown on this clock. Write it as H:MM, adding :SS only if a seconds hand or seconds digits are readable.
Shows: 5:27:22
